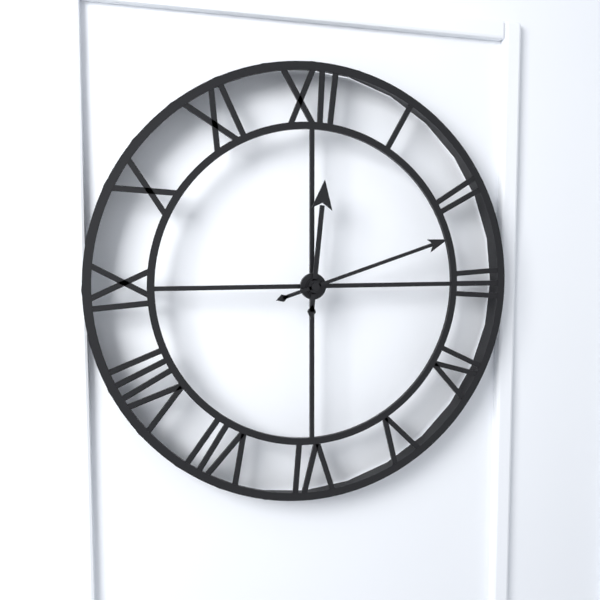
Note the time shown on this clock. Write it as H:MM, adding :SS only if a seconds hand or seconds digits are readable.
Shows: 12:12
